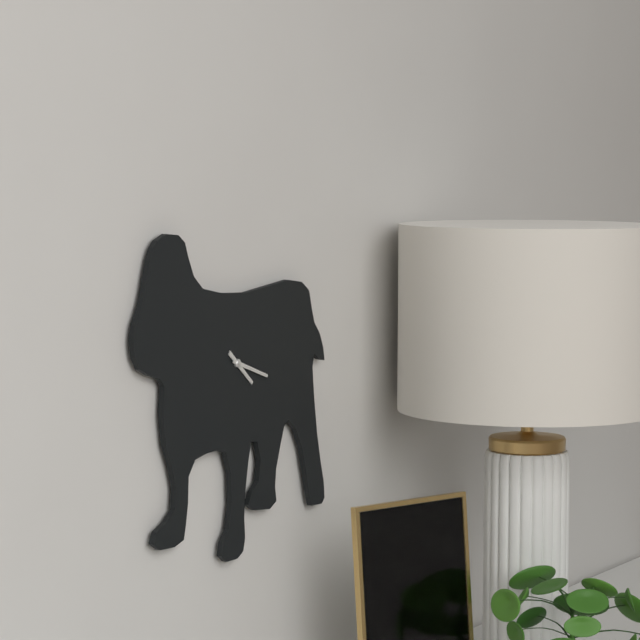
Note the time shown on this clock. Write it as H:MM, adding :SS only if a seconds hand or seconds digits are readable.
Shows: 4:18
